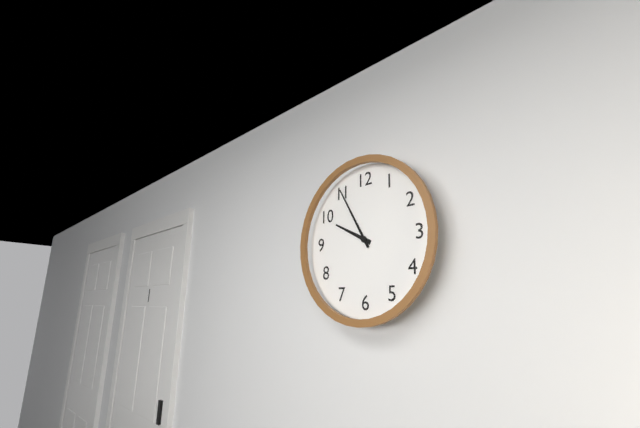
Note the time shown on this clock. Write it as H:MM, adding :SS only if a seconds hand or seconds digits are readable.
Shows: 9:55
